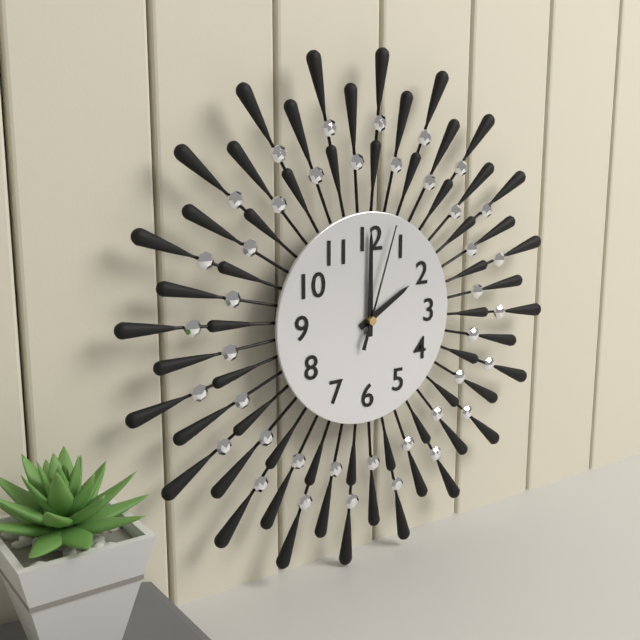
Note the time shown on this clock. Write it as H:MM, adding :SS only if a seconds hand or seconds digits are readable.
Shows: 2:00:03
